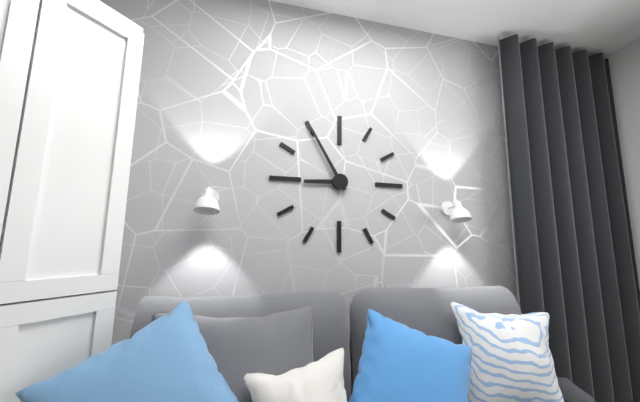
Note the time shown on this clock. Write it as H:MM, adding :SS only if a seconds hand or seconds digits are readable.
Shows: 8:55
